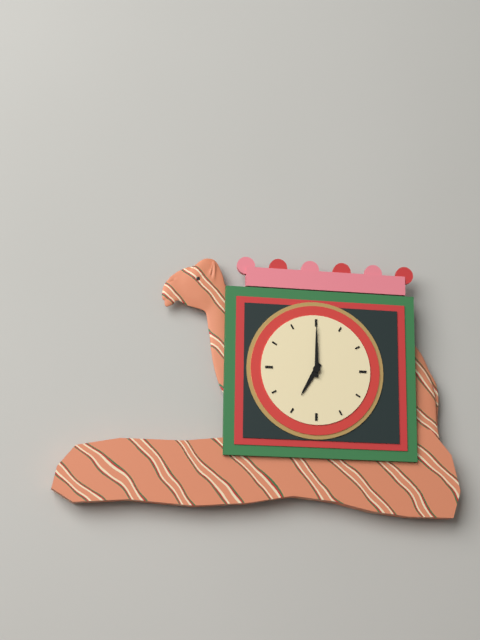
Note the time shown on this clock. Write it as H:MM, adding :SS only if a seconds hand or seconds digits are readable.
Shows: 7:00
